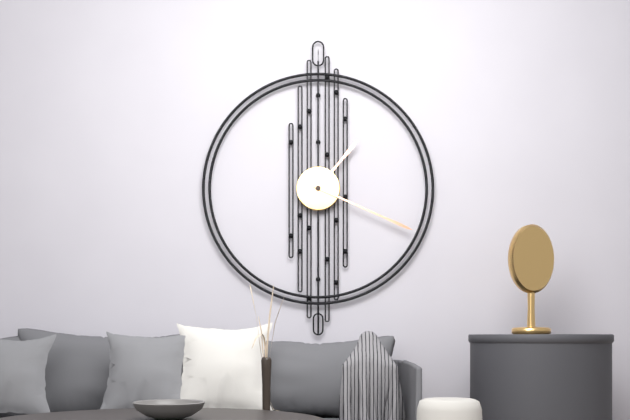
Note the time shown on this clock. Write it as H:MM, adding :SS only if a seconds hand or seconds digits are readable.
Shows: 1:19
